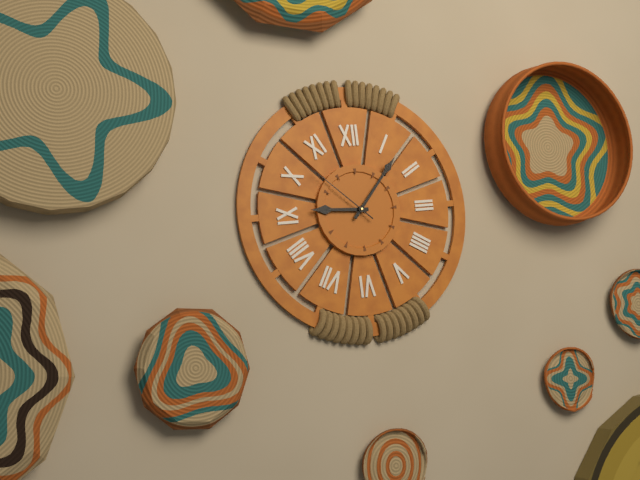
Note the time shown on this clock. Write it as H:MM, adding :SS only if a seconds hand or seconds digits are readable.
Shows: 9:07:52
